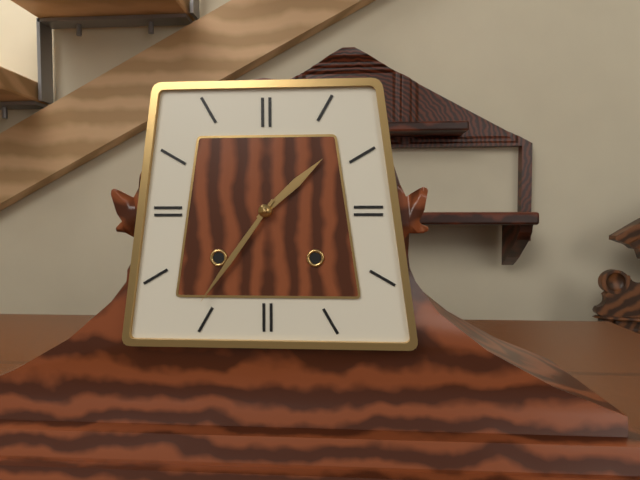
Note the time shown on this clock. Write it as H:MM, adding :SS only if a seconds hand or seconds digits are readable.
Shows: 1:36
